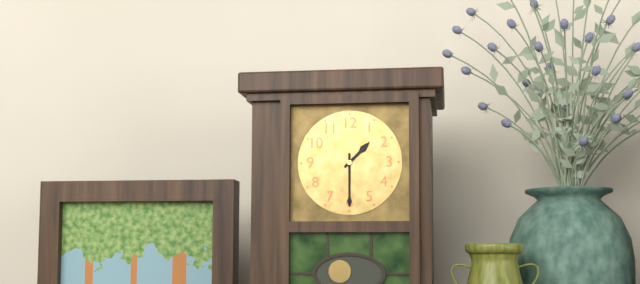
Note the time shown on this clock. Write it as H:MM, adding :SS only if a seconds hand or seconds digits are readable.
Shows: 1:30
